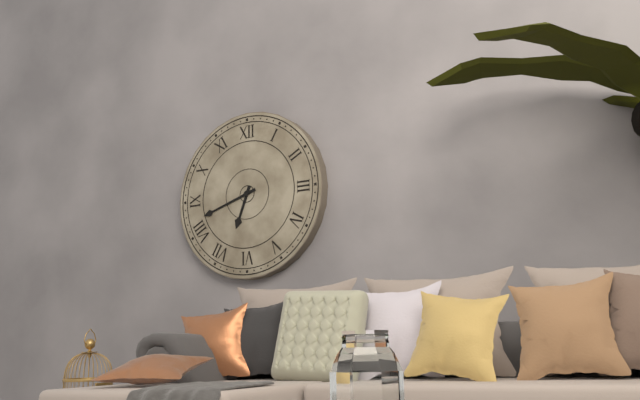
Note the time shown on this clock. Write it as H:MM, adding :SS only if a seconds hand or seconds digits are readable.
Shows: 6:42
